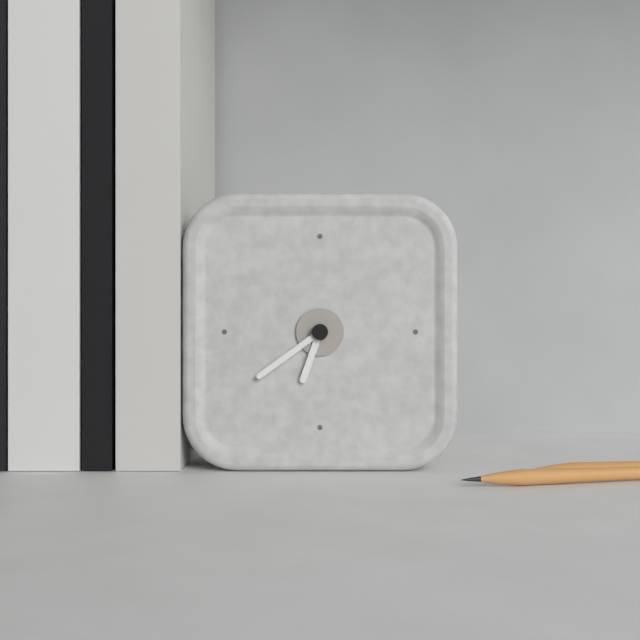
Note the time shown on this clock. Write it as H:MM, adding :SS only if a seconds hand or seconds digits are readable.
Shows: 6:39
